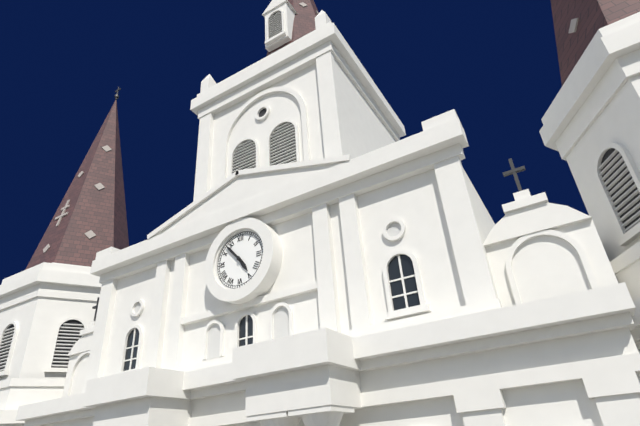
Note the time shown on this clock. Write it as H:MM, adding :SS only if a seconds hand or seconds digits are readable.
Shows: 4:53
